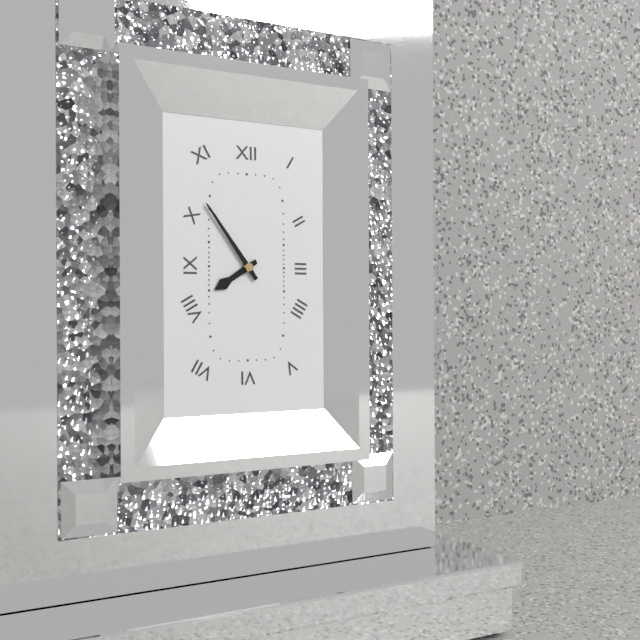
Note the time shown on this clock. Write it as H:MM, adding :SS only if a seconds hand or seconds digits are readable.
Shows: 7:54
